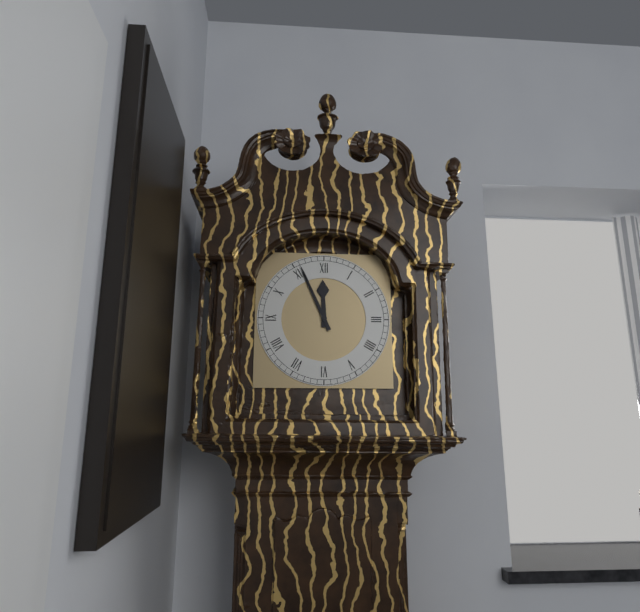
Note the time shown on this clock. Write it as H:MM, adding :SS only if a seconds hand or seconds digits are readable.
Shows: 11:56
